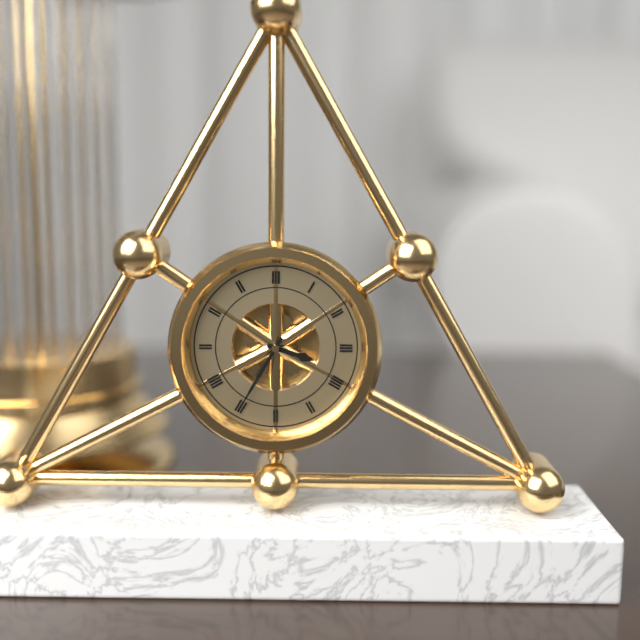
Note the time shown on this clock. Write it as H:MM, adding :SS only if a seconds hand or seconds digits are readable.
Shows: 3:35
